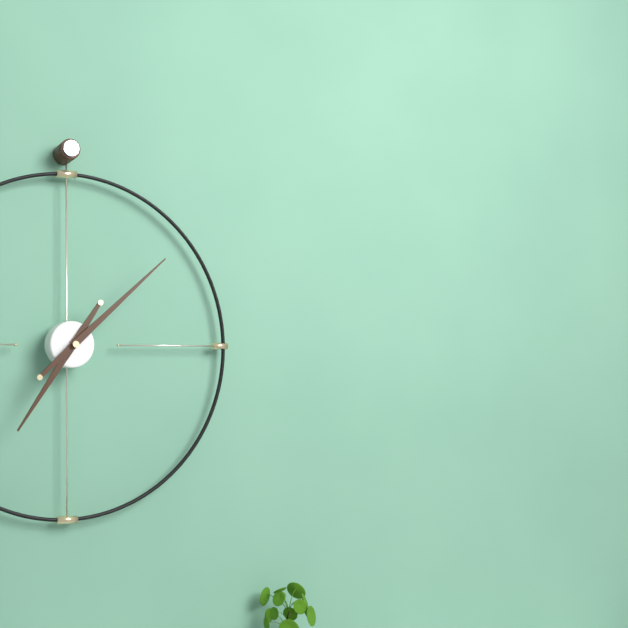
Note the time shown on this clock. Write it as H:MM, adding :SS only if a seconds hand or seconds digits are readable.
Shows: 7:08
